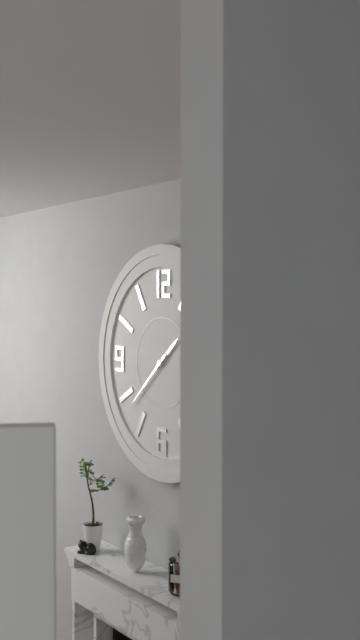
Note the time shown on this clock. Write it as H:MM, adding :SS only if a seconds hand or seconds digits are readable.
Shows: 1:38
